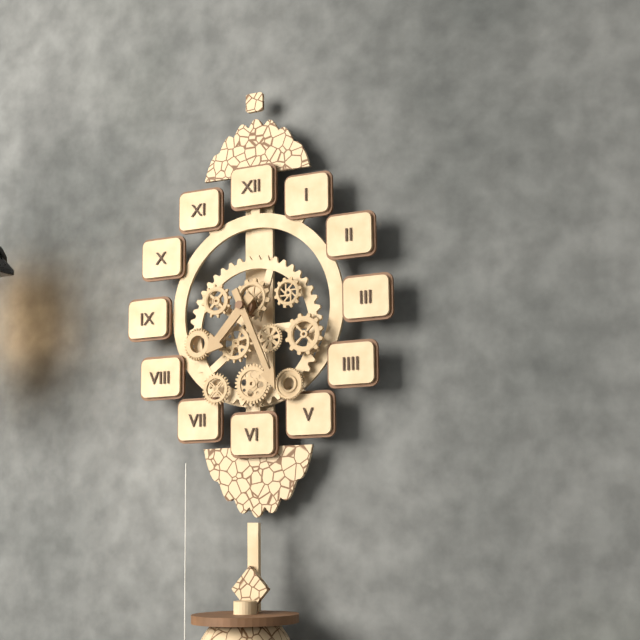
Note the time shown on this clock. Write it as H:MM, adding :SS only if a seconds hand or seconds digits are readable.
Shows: 7:26
